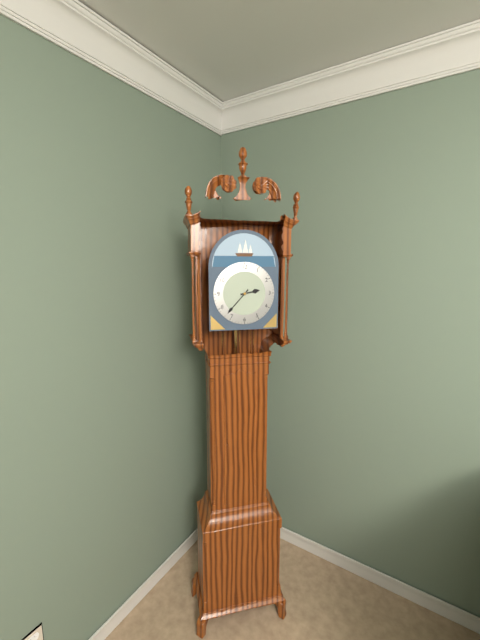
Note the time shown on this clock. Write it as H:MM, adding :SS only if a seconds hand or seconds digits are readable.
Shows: 2:37
